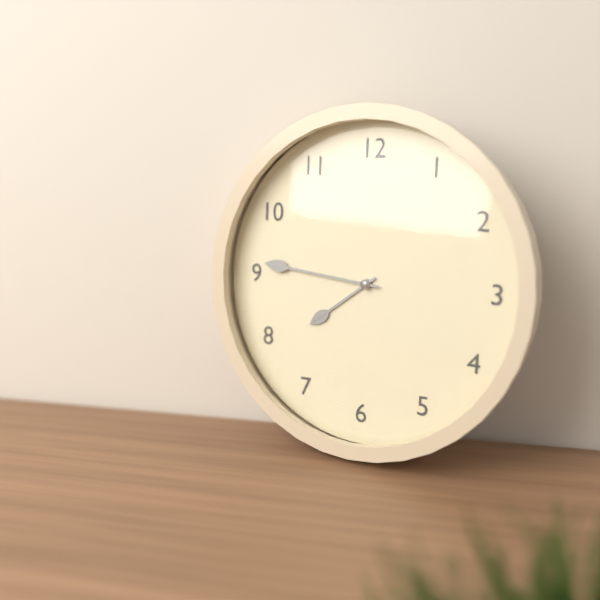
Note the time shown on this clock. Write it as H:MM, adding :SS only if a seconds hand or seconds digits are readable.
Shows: 7:46
